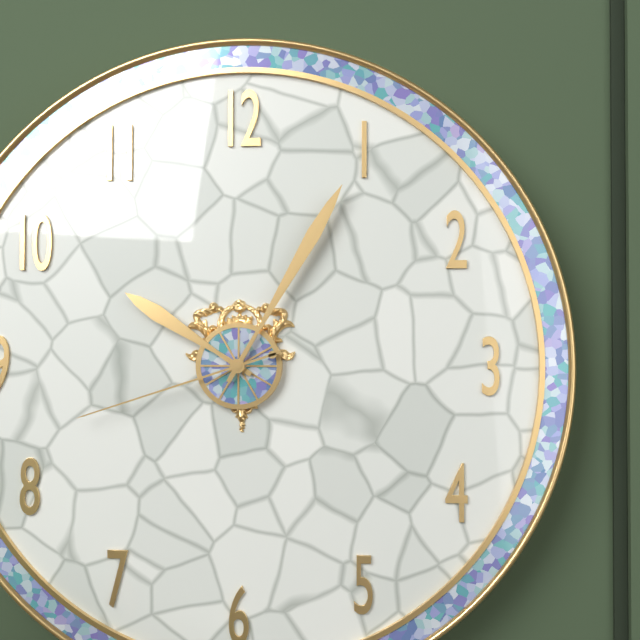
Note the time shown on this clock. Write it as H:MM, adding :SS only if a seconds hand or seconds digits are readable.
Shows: 10:05:42
